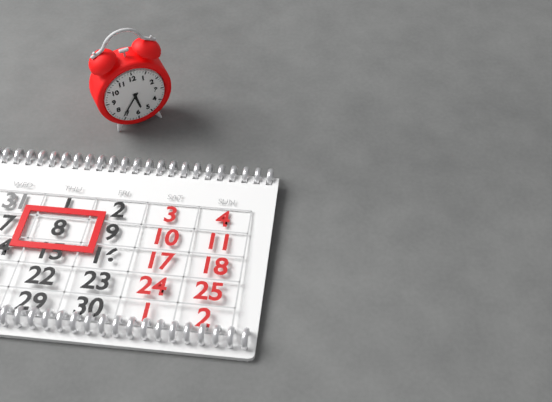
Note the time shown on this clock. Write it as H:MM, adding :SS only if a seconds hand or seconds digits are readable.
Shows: 5:36
